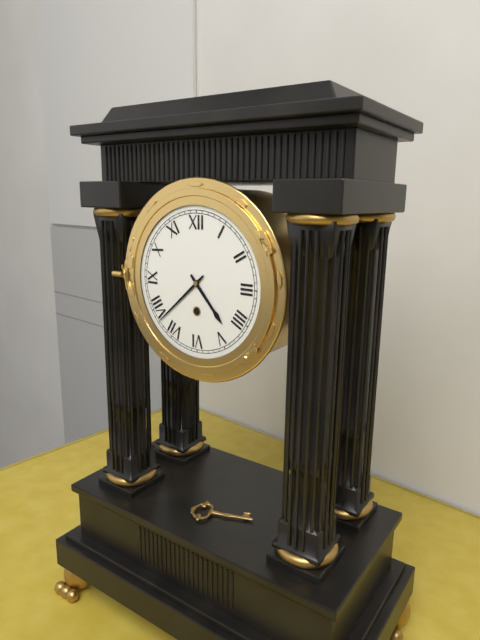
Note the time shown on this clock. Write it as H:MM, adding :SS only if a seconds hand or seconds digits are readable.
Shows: 4:38
